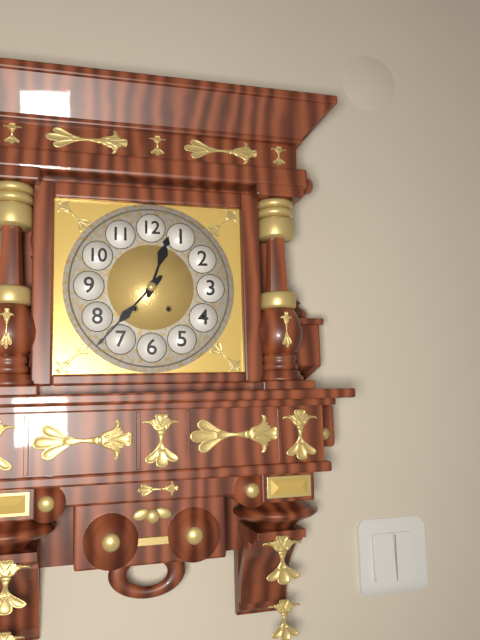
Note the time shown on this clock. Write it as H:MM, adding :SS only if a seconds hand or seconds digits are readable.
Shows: 12:37
